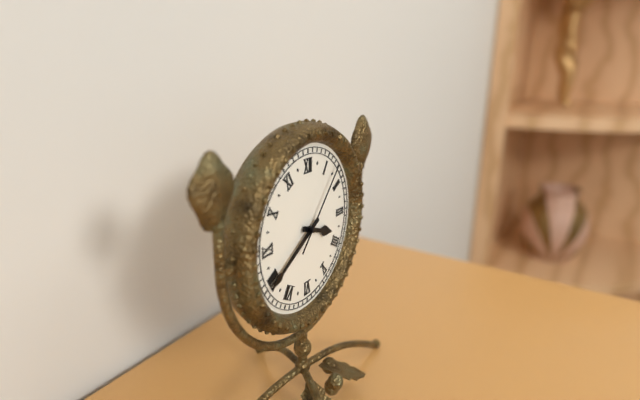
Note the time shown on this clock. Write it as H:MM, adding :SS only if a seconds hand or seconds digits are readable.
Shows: 3:40:07
